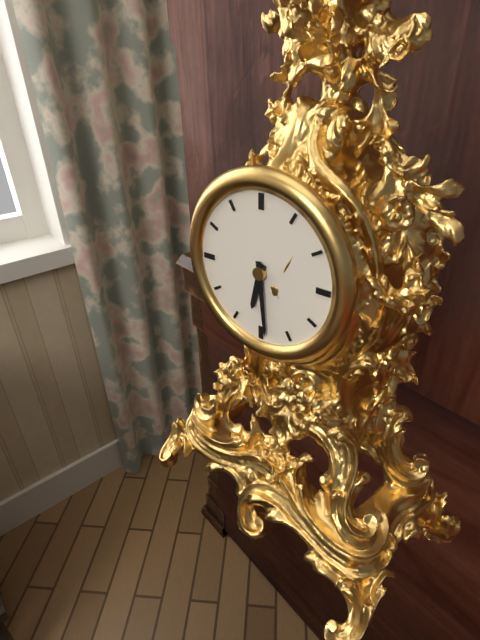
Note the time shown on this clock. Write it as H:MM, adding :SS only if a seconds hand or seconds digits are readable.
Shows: 6:29
